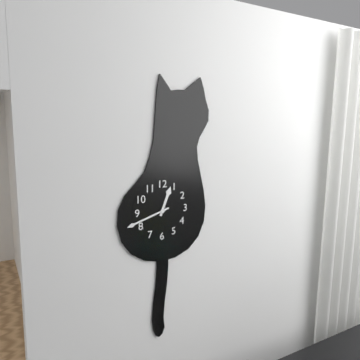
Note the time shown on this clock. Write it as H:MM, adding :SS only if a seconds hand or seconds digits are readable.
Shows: 12:42
